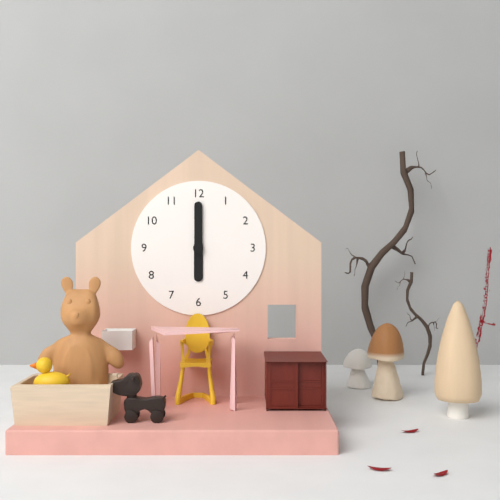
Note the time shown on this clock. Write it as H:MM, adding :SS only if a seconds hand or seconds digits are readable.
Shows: 6:00
